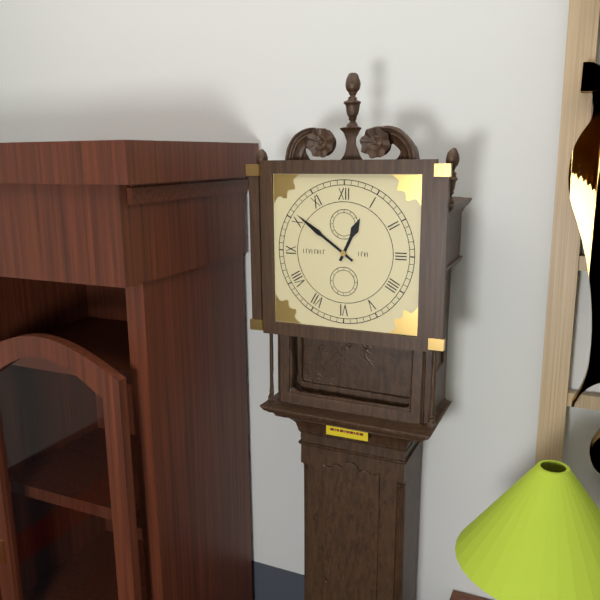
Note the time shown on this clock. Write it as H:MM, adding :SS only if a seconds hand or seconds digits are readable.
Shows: 12:51
